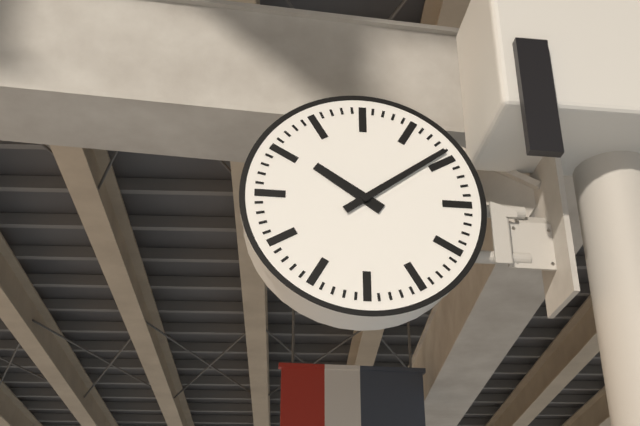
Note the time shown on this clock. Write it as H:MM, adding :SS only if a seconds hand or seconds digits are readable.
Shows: 10:09
